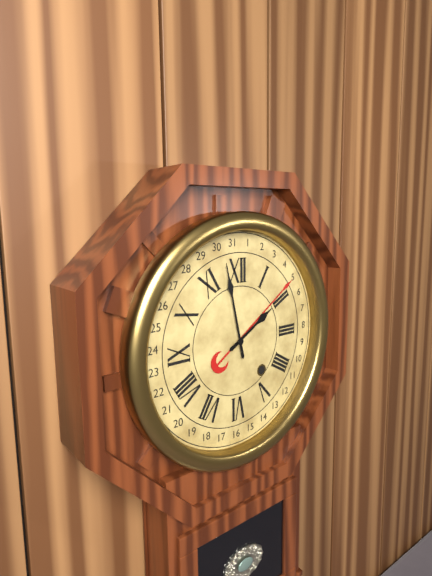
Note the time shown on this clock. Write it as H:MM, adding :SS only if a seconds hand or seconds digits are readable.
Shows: 1:58
